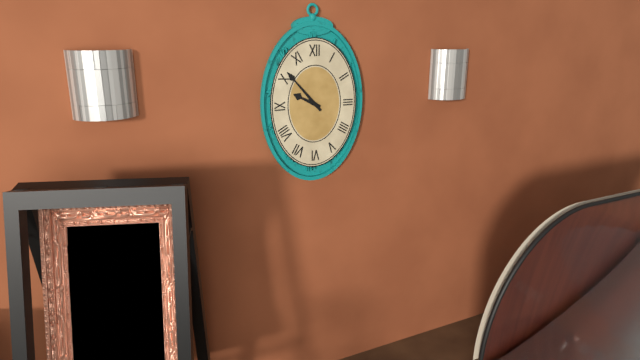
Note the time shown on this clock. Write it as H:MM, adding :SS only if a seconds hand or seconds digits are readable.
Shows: 9:53
